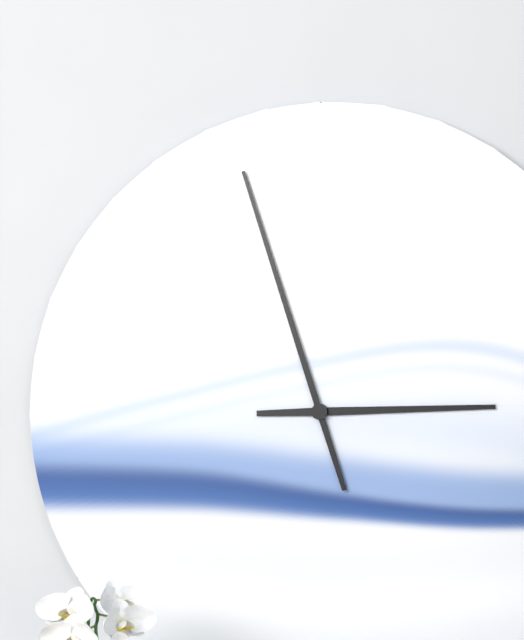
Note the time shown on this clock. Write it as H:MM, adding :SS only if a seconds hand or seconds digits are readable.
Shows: 2:57
